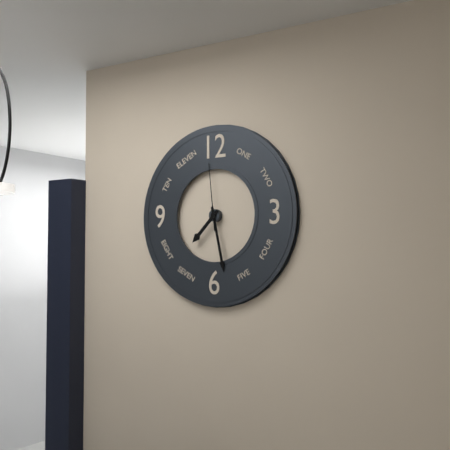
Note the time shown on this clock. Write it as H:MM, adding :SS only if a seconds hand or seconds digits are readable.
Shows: 7:28:59
